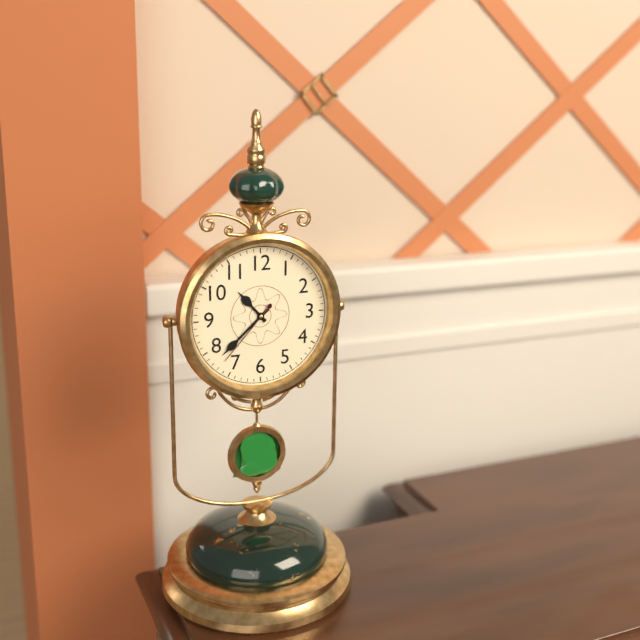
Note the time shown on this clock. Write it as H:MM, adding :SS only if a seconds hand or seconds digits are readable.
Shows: 10:38:37
